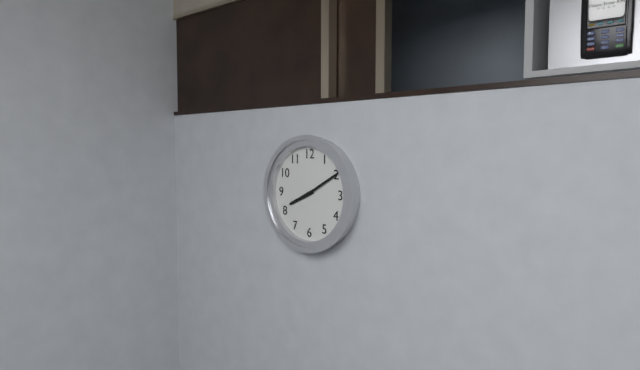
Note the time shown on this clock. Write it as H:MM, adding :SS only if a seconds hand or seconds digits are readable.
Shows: 8:10
